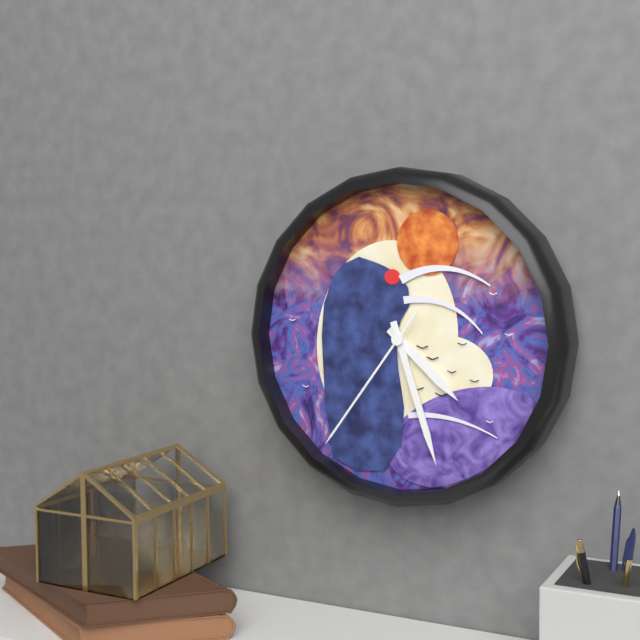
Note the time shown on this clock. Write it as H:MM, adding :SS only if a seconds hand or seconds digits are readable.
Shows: 4:27:36
